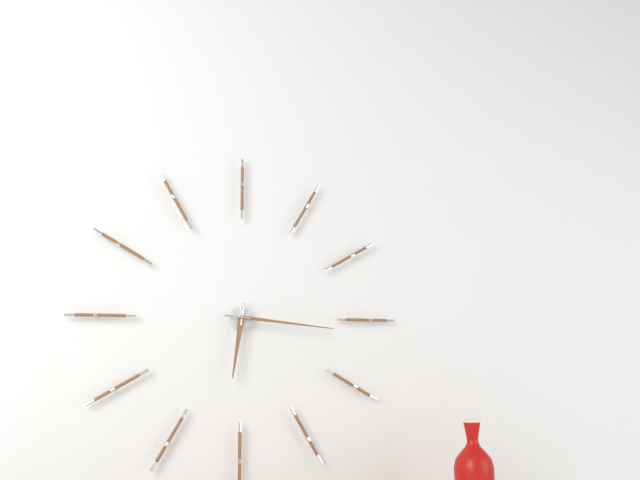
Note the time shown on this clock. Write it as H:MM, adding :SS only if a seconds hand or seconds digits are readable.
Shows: 6:16
